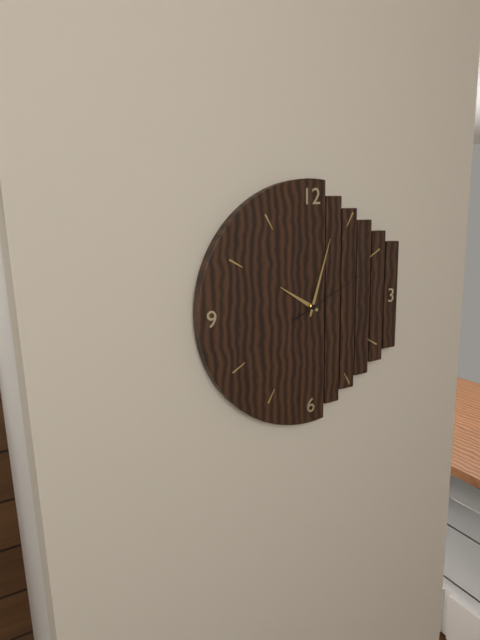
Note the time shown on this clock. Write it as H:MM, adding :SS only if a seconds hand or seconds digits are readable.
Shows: 10:03:11
